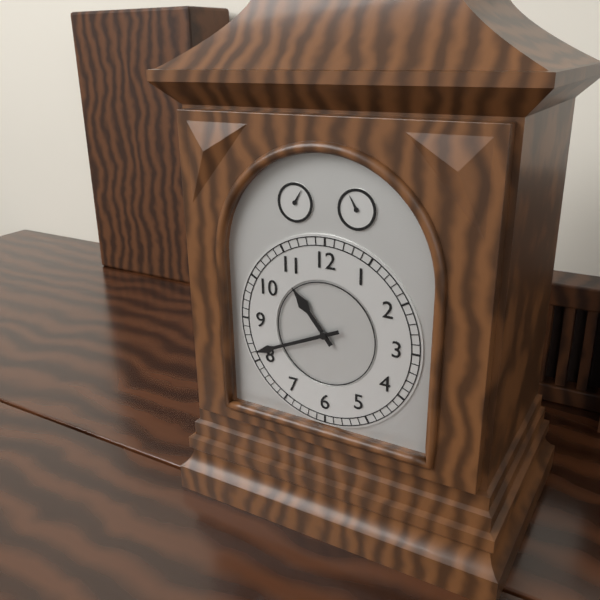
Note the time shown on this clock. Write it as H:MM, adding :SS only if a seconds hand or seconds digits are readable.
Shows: 10:41
